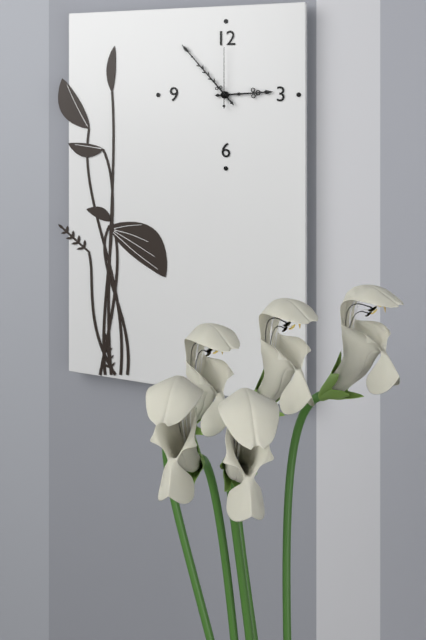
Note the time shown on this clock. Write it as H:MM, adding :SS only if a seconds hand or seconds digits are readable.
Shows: 2:53:00
